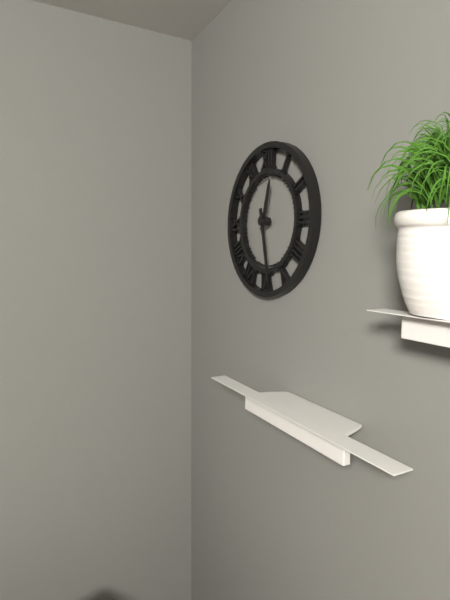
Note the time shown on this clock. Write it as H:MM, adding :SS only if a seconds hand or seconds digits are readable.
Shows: 12:28
